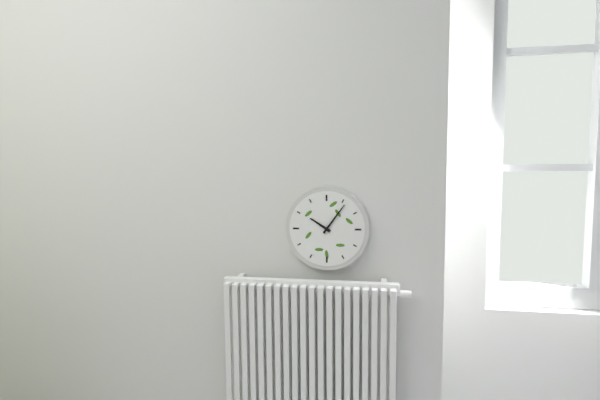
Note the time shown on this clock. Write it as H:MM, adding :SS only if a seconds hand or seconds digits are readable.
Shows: 10:06
